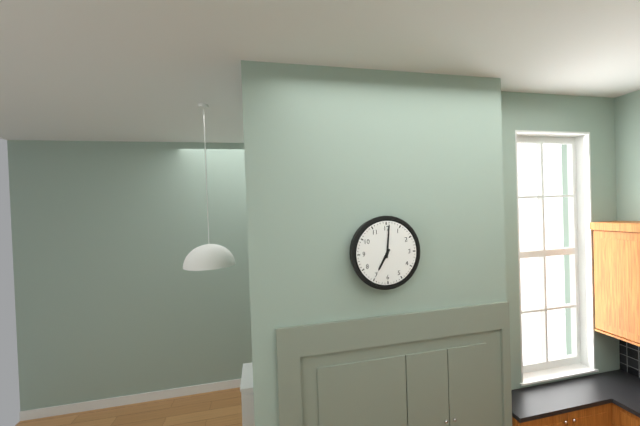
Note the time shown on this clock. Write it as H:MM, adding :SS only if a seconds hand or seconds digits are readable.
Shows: 7:01
